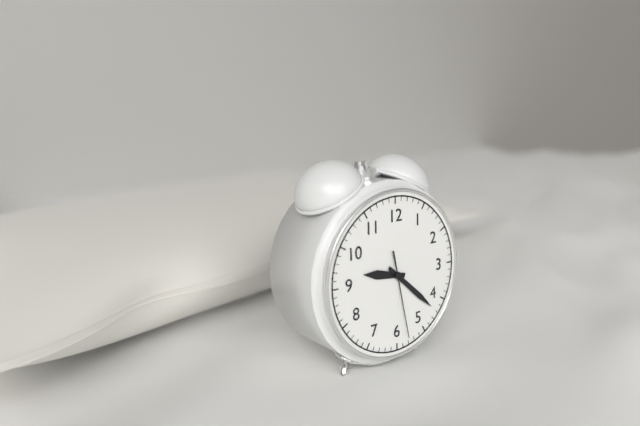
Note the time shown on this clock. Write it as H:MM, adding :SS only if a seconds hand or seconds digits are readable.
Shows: 9:22:28
